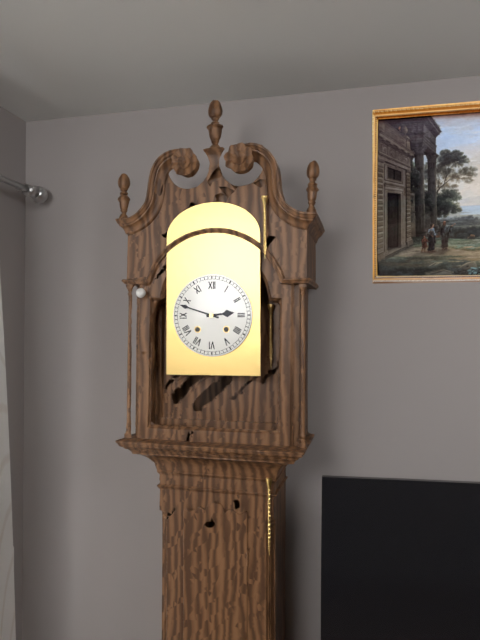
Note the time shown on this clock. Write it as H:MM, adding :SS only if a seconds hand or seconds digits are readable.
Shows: 2:48
